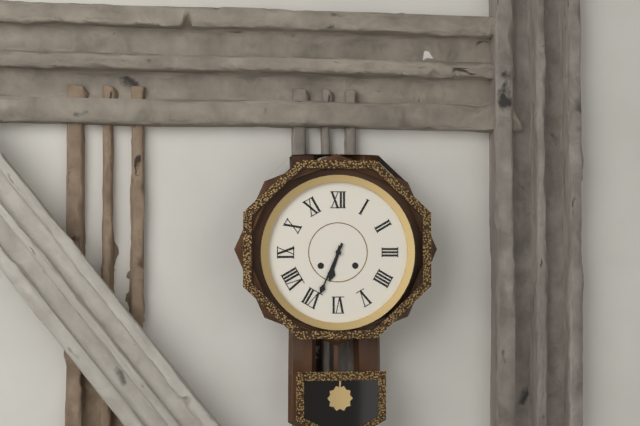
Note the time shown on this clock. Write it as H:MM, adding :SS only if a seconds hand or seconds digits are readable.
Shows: 6:34
